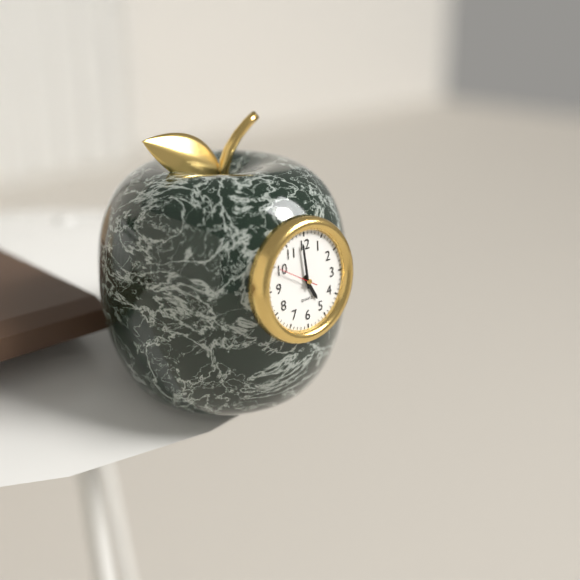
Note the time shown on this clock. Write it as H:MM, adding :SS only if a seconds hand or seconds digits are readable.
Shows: 4:59
